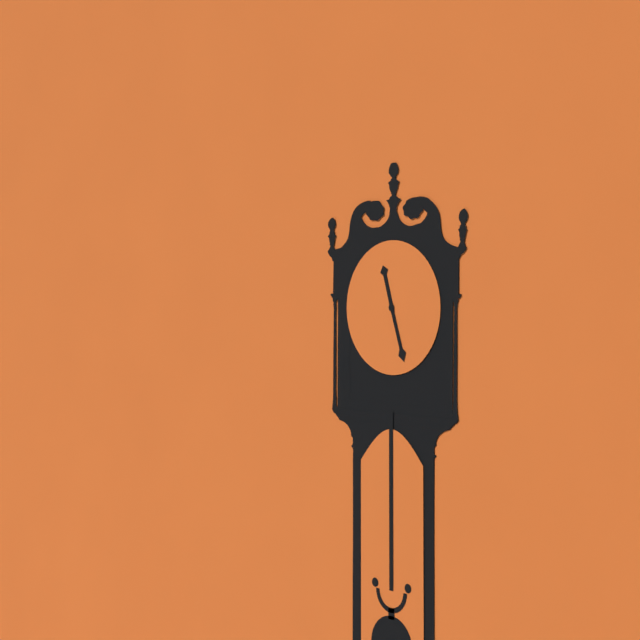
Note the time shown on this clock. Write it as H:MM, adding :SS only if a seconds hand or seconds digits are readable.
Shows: 11:27
